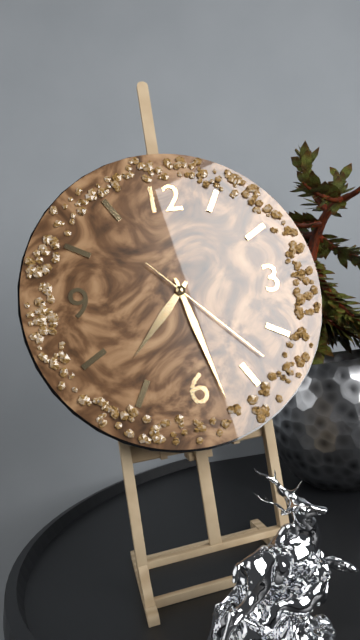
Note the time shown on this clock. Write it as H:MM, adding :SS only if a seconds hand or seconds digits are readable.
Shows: 7:28:23
